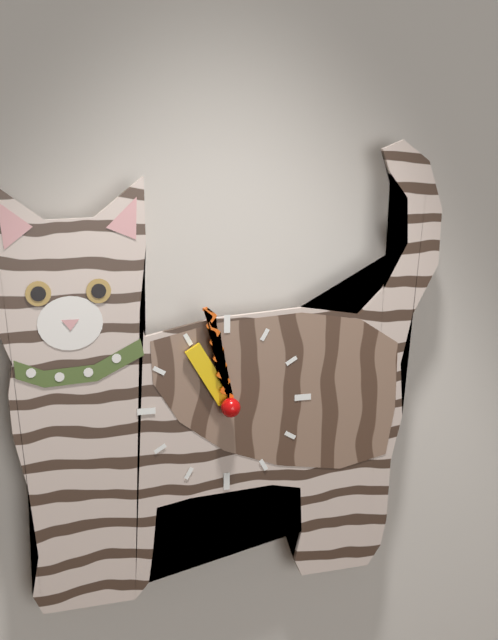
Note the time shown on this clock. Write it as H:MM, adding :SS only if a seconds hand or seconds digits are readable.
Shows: 10:58
